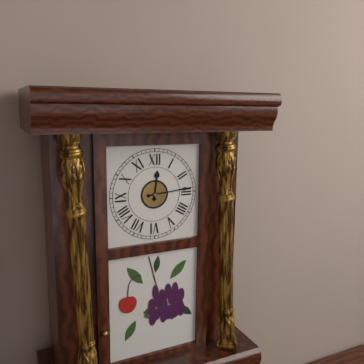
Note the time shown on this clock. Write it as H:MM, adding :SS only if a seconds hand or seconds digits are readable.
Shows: 12:14
